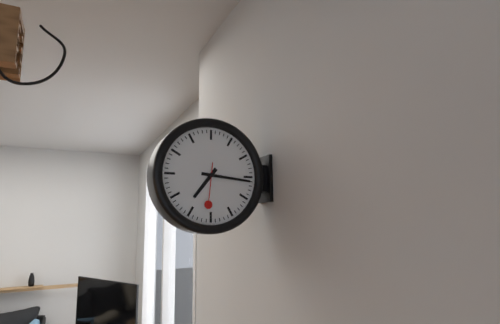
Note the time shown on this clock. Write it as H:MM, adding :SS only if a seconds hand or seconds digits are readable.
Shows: 7:16
